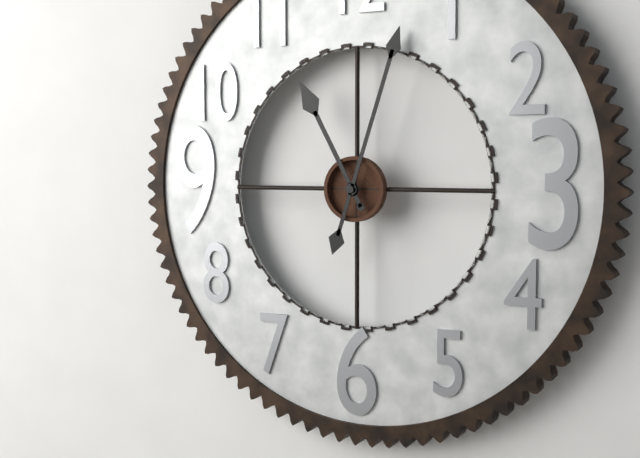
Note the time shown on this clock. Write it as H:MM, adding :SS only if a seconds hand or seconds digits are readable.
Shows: 11:03
